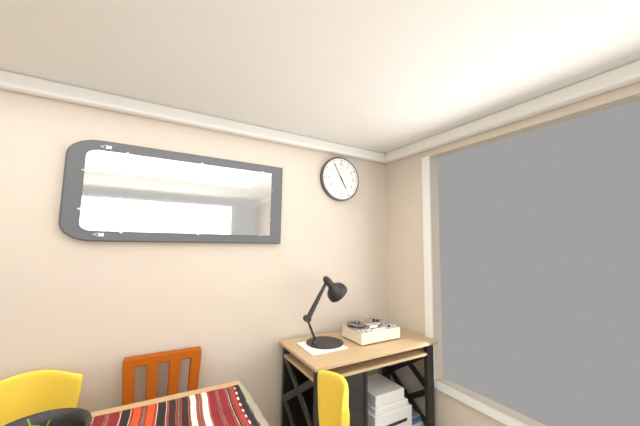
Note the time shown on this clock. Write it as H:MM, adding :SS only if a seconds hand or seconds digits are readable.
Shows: 4:55
